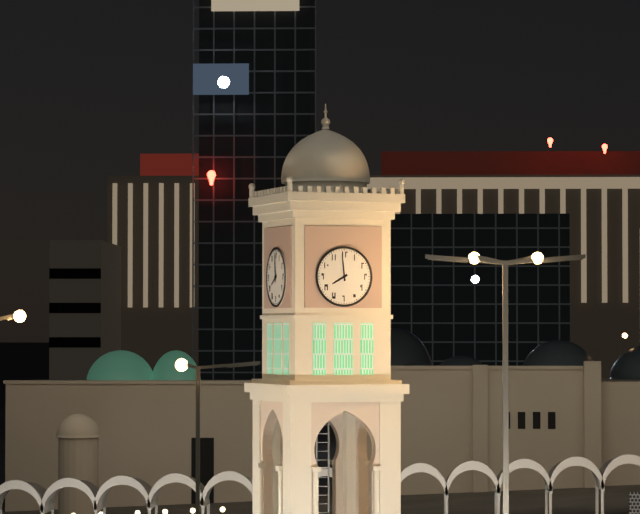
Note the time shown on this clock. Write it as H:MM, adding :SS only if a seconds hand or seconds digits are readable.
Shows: 7:59
